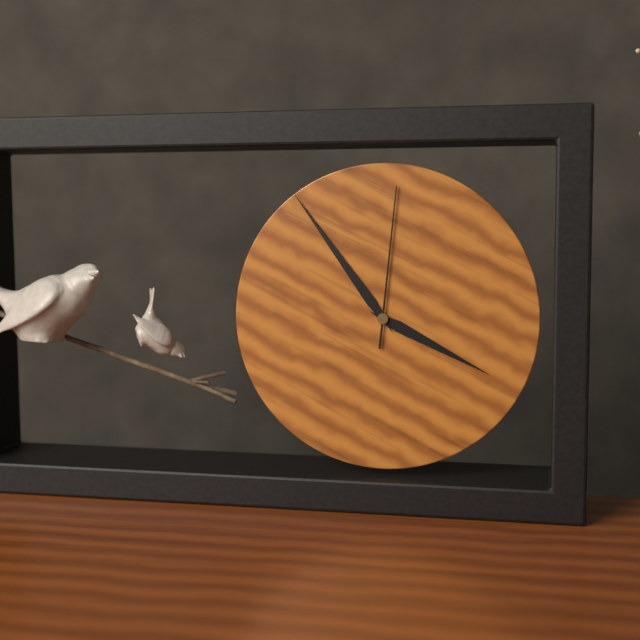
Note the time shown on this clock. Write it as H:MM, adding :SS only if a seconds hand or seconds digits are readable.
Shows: 3:54:01
